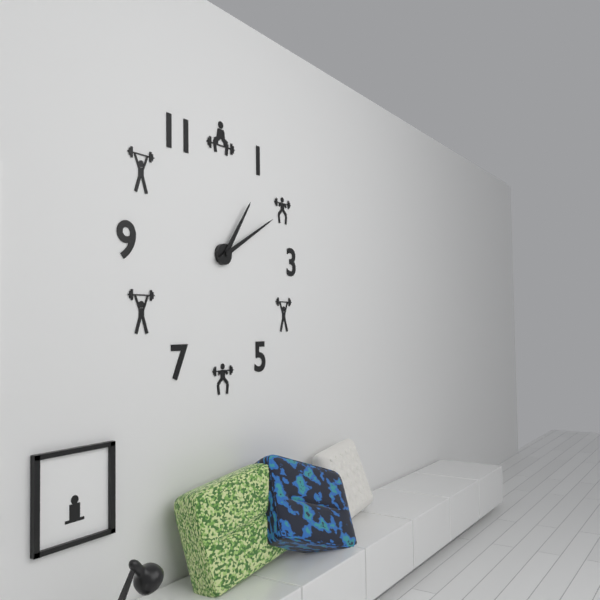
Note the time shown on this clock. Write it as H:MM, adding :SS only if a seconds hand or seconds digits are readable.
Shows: 1:10
